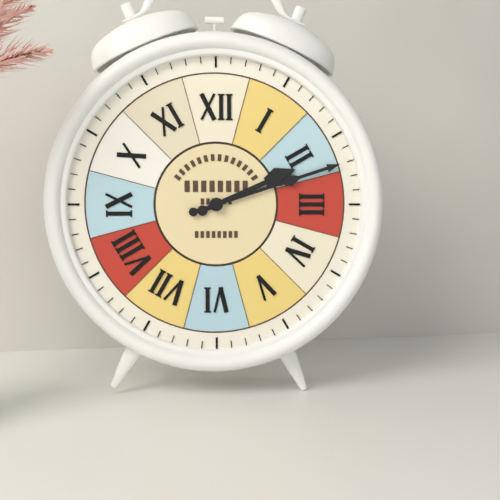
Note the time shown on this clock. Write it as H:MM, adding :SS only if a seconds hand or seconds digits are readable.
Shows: 2:12
